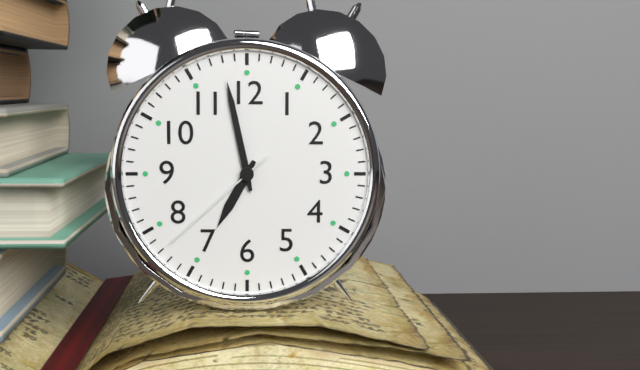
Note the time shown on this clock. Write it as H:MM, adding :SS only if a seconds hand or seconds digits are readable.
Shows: 6:58:38
